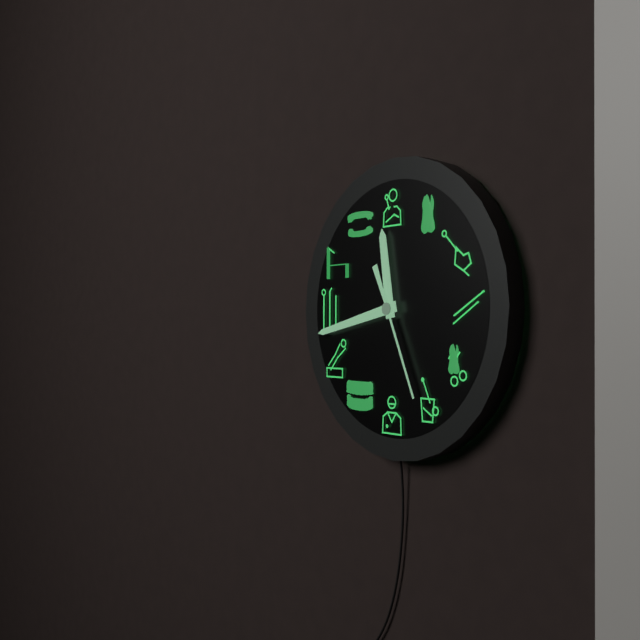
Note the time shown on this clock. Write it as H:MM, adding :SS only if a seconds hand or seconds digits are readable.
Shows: 11:43:26
